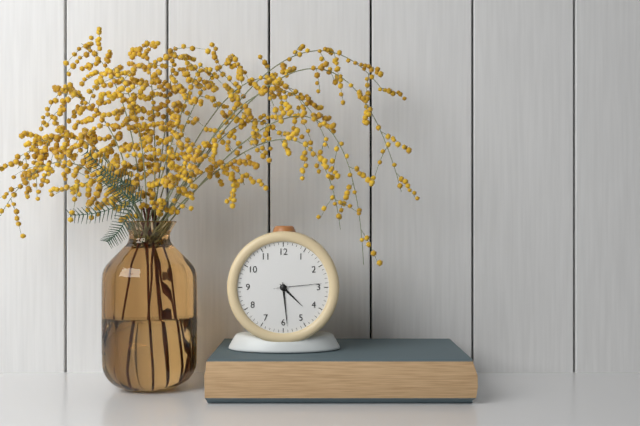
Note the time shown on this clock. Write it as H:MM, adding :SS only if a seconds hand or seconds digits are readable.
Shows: 4:29:14
